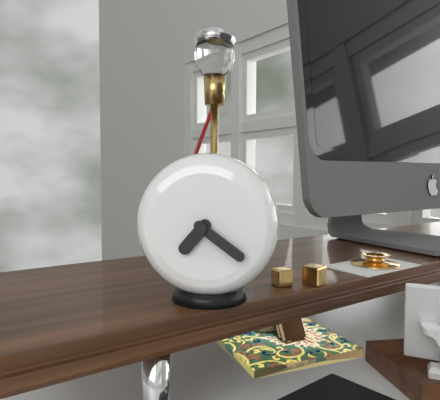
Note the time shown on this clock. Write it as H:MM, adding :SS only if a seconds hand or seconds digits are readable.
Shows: 7:21
